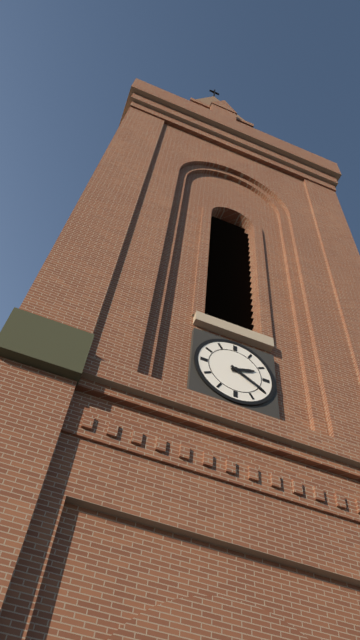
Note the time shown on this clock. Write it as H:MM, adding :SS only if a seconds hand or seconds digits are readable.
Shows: 2:20
